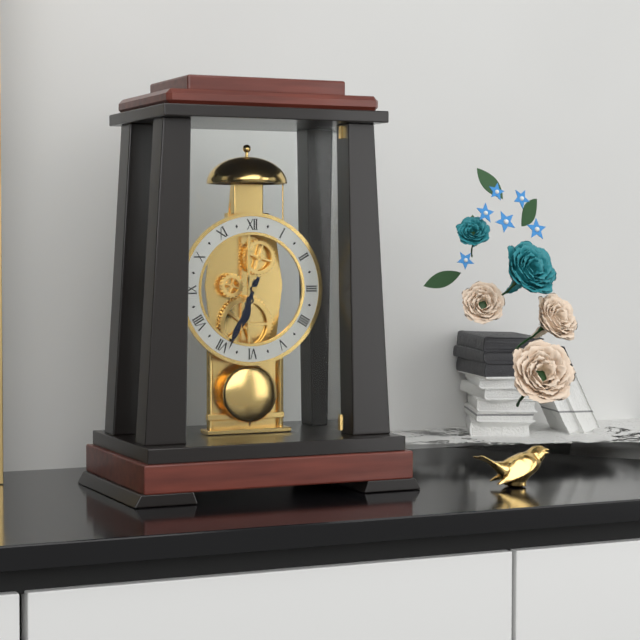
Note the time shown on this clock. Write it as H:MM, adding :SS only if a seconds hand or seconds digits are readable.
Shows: 6:34
